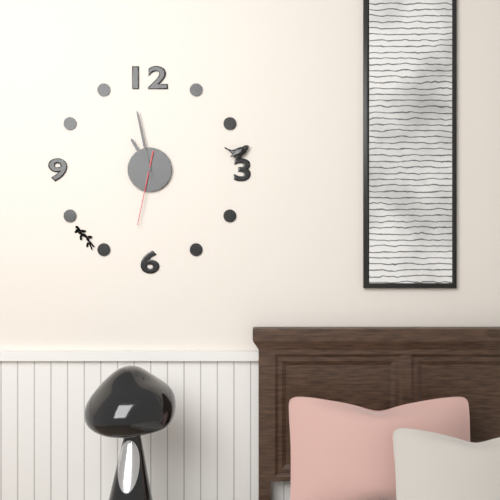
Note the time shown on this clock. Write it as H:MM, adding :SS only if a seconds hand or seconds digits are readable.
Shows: 10:58:32
